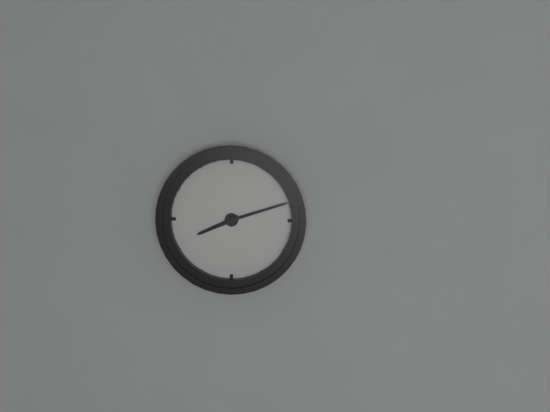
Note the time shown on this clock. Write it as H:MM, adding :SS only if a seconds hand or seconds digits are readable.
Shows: 8:12
